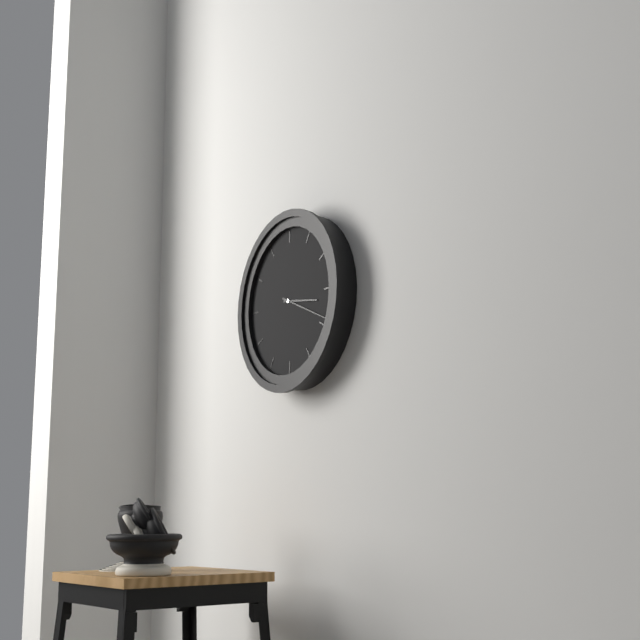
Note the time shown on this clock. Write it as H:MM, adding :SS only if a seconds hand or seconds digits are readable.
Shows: 3:19
